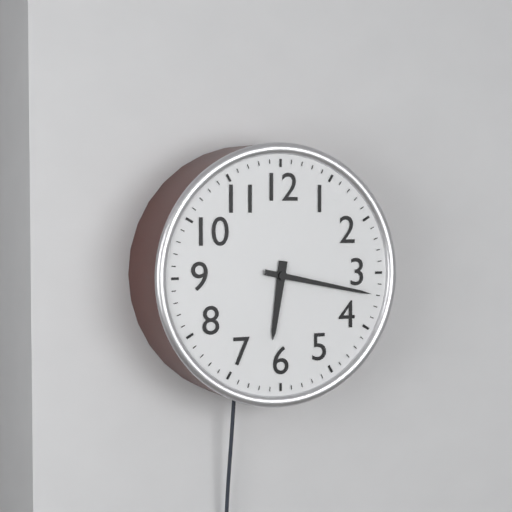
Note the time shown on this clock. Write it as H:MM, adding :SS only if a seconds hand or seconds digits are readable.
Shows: 6:17
